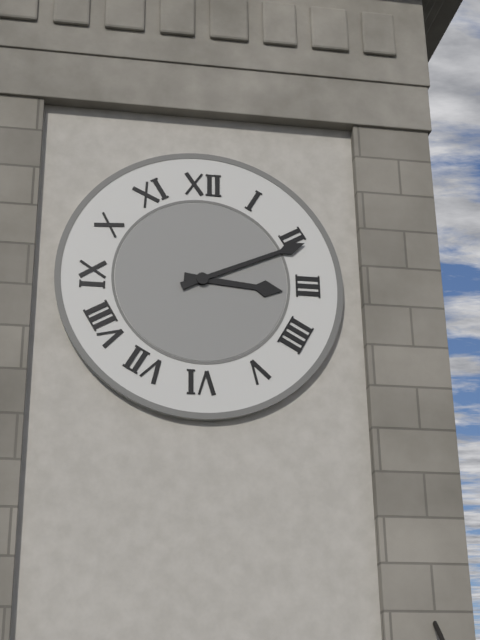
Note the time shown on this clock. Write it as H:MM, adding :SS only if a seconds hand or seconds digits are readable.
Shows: 3:11
